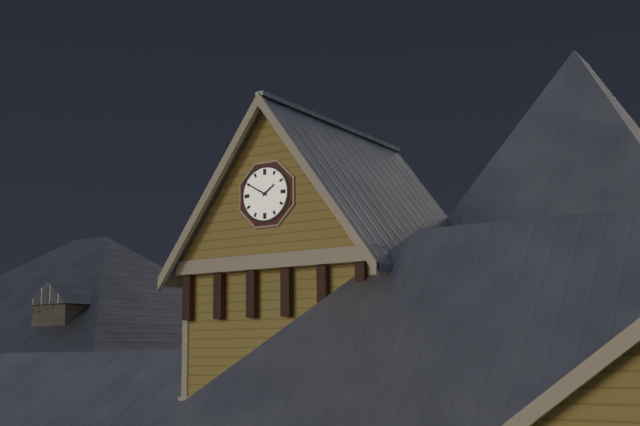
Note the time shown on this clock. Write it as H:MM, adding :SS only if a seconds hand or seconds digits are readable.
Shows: 1:50
